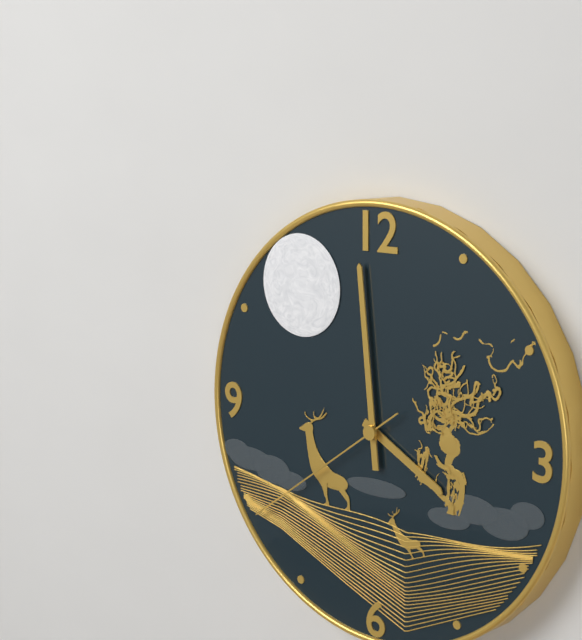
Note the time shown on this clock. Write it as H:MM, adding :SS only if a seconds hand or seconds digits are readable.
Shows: 3:59:39
